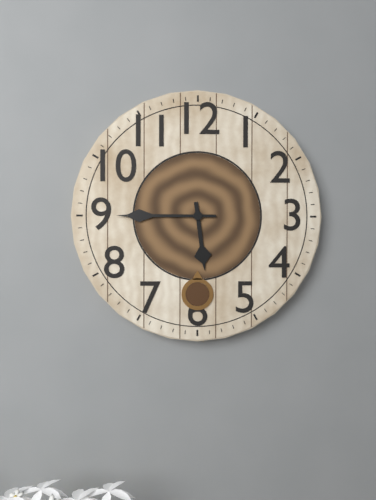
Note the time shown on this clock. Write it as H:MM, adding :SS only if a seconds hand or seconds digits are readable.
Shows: 5:45
